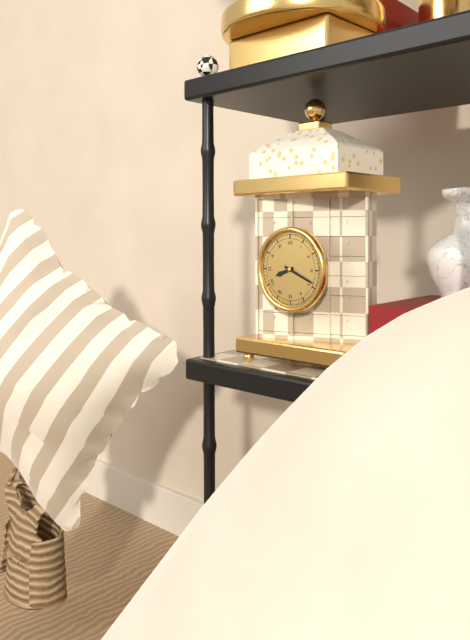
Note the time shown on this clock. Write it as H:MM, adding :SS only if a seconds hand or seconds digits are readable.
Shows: 8:19
